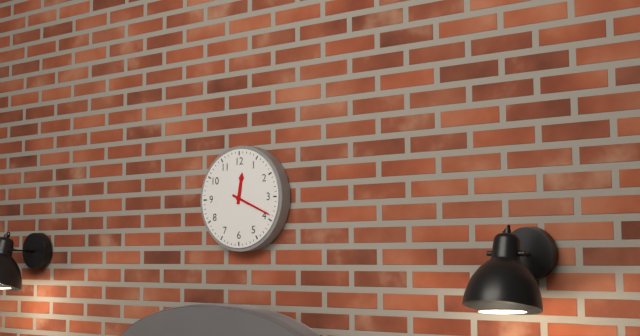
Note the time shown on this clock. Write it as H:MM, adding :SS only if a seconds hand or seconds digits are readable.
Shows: 12:19
